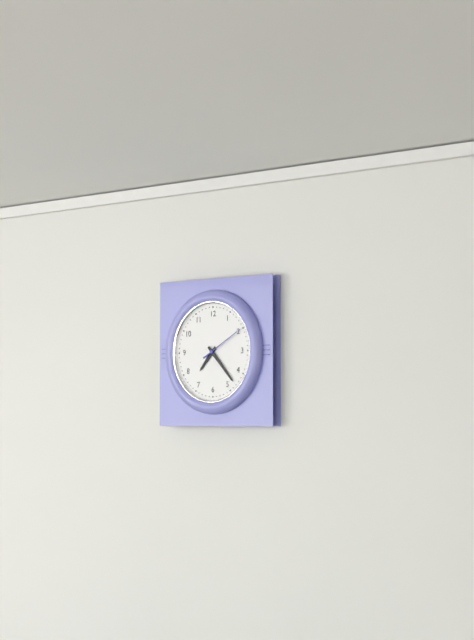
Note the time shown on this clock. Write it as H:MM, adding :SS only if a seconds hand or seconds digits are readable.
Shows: 7:23
